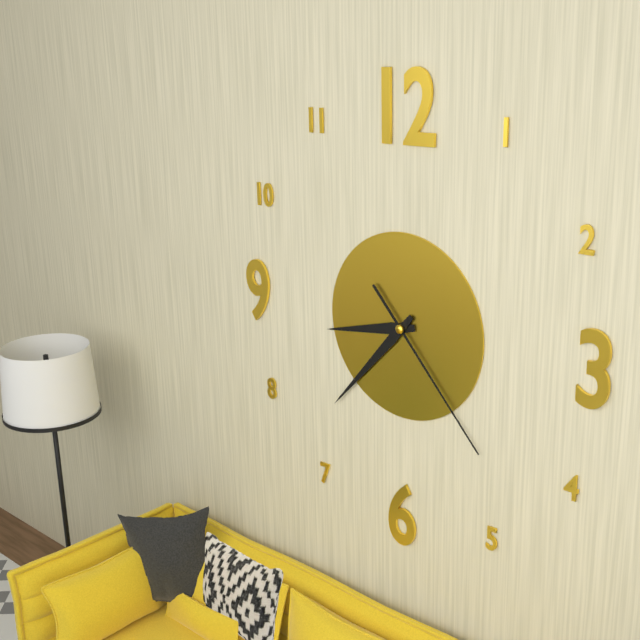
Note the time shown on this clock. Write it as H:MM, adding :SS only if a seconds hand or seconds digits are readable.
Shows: 8:37:23
